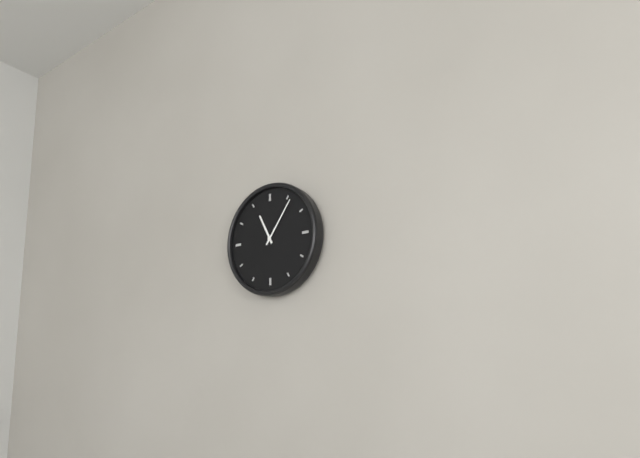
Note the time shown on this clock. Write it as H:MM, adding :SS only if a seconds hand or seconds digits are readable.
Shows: 11:06
